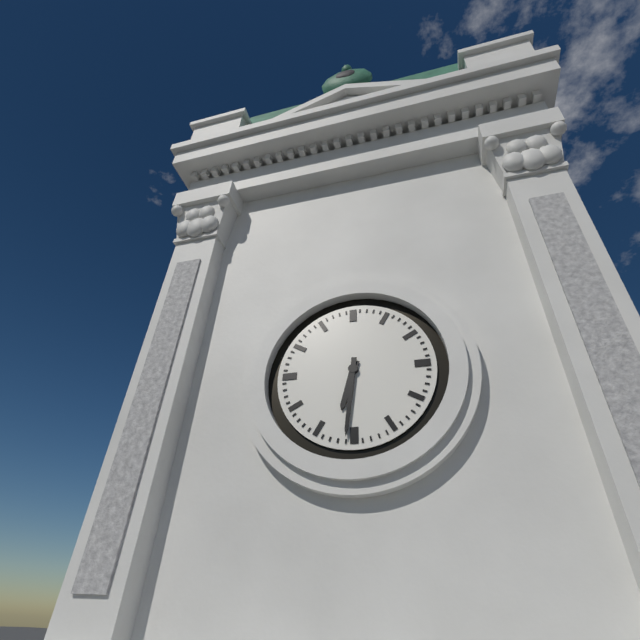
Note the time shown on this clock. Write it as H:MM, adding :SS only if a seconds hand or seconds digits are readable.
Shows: 6:31
